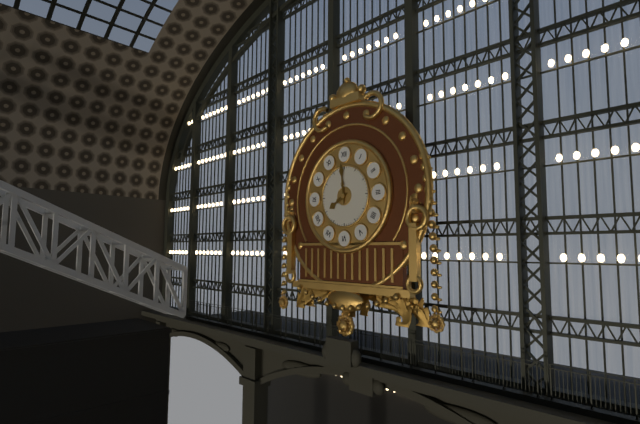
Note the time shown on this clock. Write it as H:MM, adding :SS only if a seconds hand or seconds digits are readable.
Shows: 7:59
